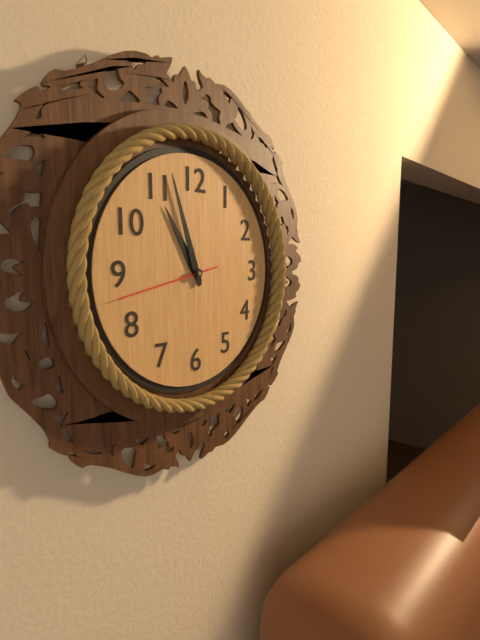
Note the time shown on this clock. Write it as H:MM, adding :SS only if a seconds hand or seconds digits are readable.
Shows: 10:57:43
